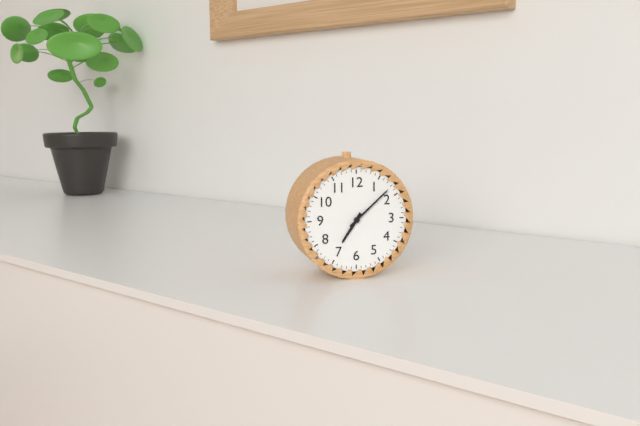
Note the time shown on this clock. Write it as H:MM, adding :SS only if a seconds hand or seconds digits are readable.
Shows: 7:08
